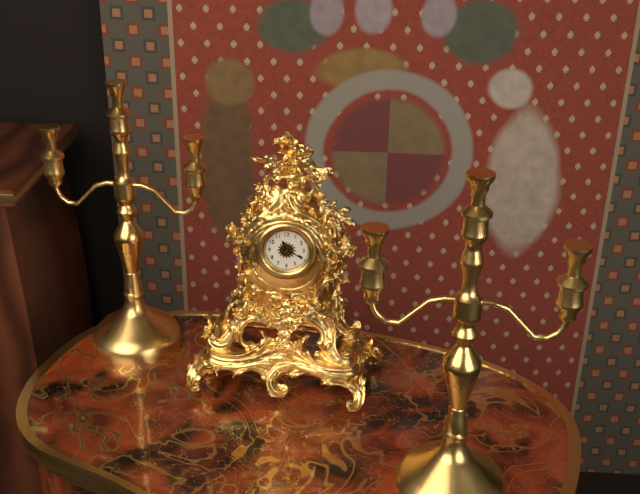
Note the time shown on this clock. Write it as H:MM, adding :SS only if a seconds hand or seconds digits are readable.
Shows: 11:19
